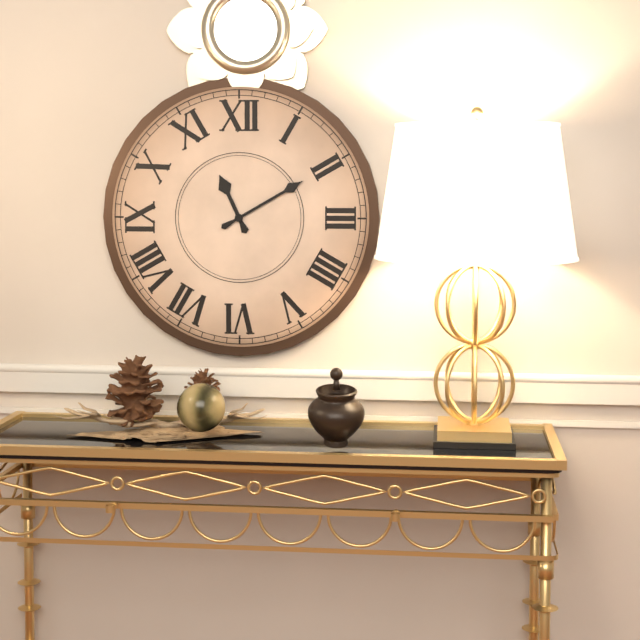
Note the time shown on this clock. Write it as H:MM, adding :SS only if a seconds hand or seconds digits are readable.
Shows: 11:10
